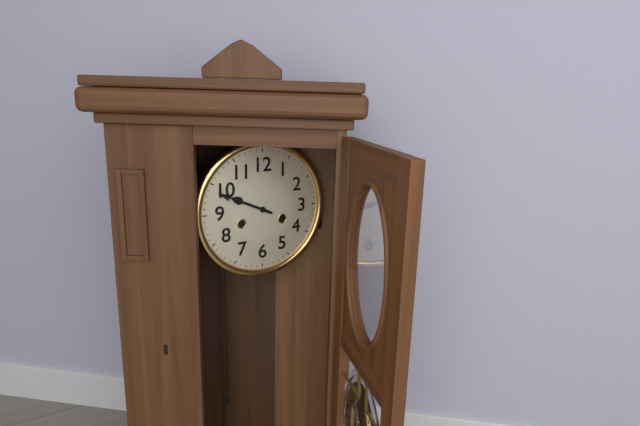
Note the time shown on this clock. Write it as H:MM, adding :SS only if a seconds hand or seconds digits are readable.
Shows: 9:49
